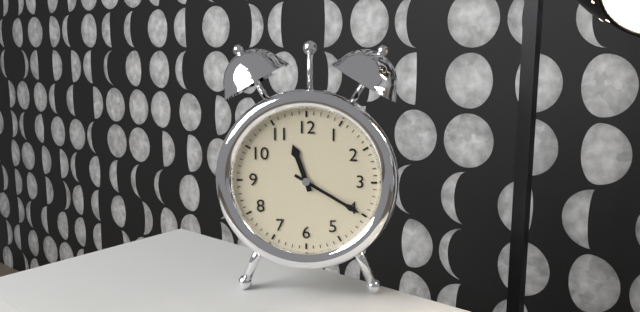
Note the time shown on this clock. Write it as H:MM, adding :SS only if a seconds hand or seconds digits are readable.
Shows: 11:20
